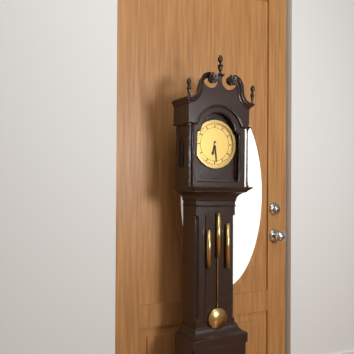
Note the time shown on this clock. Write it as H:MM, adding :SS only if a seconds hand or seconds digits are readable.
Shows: 6:29
